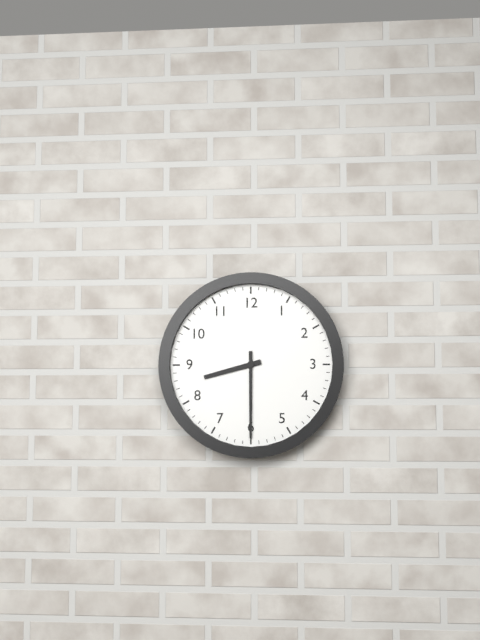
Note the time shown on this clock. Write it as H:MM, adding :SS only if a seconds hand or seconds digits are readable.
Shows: 8:30
